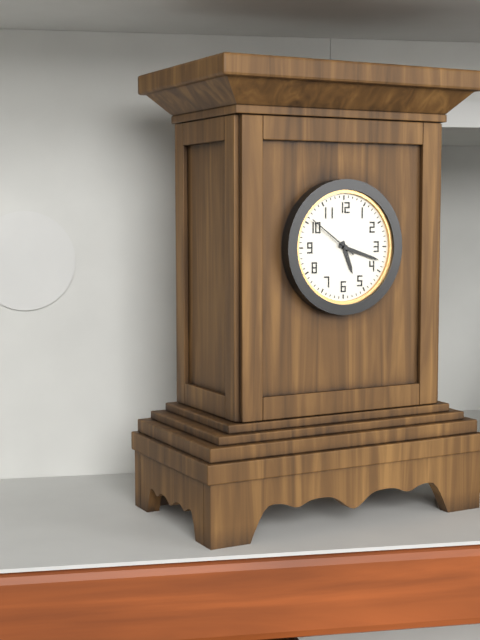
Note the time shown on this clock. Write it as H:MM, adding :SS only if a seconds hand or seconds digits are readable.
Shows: 5:18
